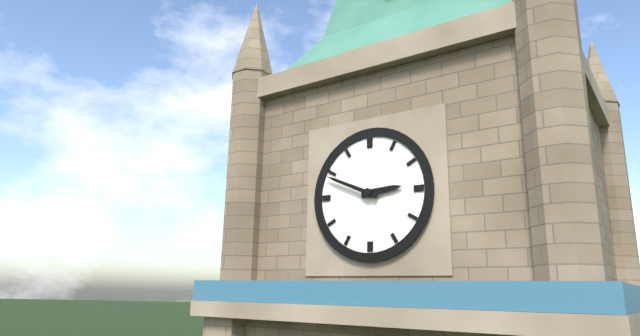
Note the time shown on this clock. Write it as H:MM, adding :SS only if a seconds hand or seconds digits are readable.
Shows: 2:49
